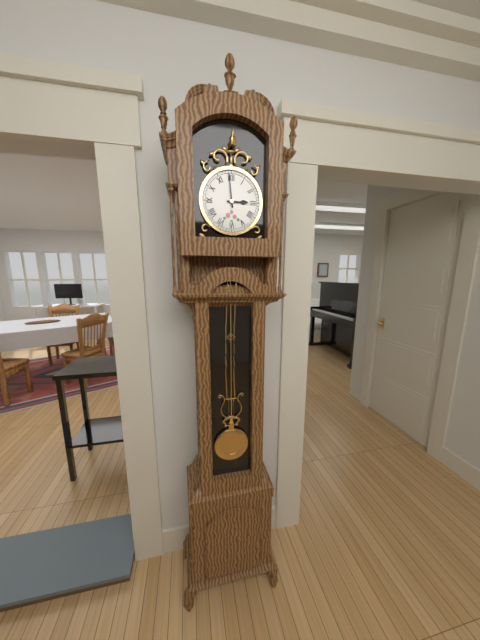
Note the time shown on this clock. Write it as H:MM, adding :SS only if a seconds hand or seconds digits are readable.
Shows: 2:59
